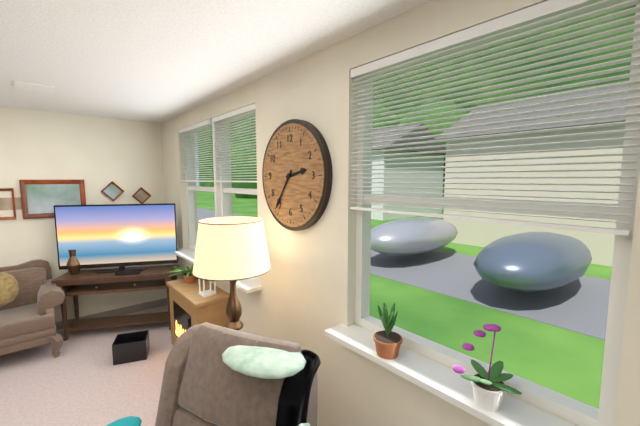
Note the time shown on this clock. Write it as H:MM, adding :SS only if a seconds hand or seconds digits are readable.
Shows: 2:36
